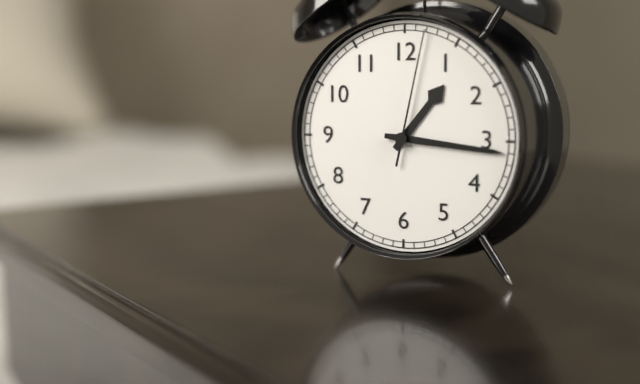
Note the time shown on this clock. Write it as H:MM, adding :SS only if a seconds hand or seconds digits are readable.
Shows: 1:16:02
